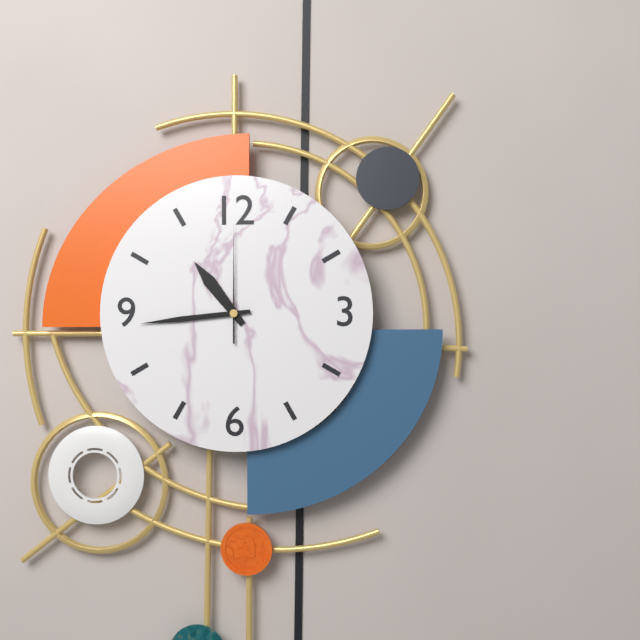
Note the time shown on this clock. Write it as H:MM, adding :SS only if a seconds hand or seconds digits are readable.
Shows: 10:44:00
